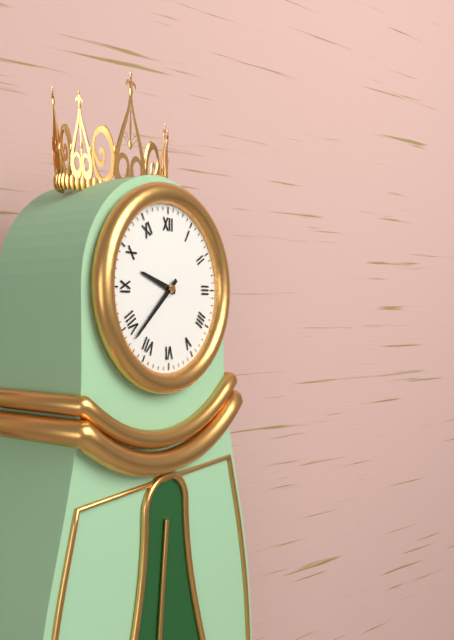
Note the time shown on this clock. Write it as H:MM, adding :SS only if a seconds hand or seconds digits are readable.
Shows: 9:38
